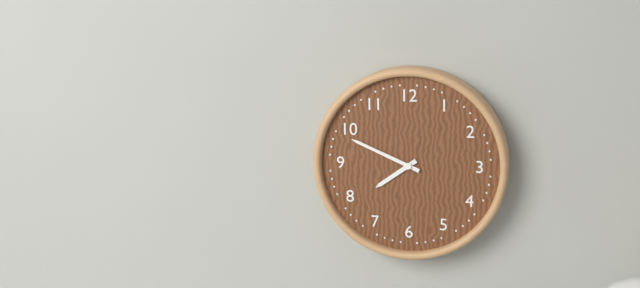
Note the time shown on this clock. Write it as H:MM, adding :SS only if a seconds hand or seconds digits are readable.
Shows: 7:49
